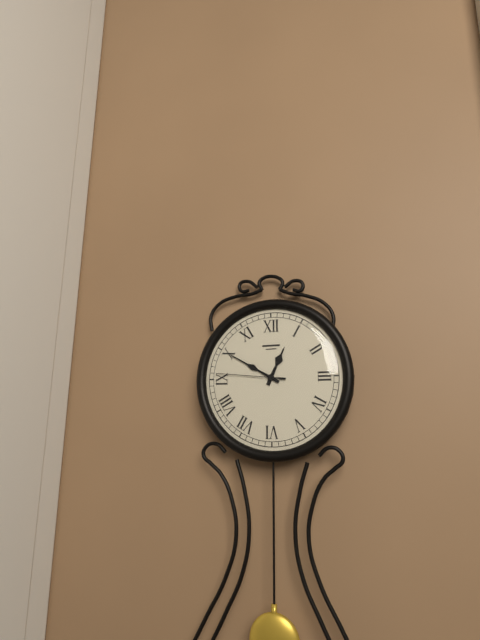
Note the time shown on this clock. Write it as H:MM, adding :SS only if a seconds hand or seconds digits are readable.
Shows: 12:50:46
